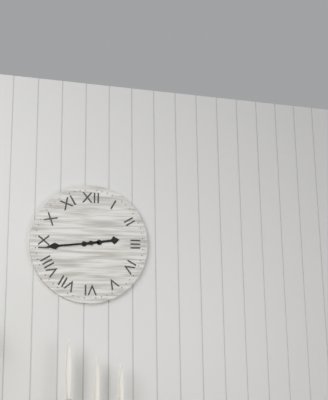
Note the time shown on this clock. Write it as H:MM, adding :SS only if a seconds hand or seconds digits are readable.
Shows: 2:44
